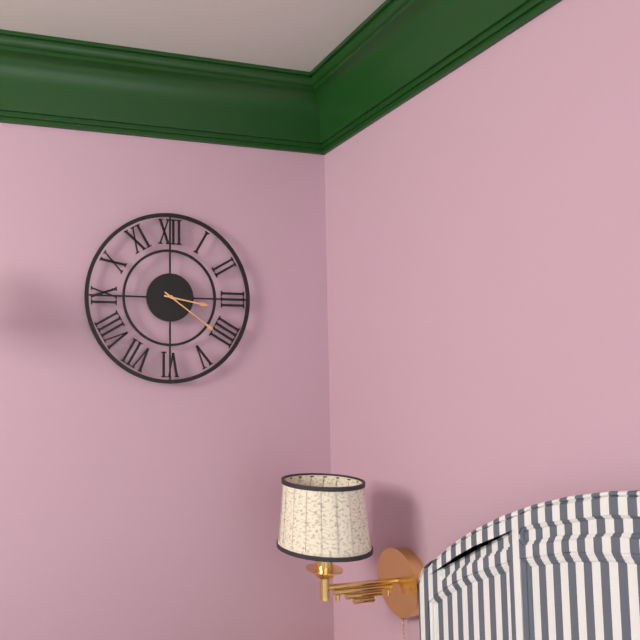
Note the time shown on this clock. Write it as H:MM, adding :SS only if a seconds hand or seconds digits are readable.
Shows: 3:21
